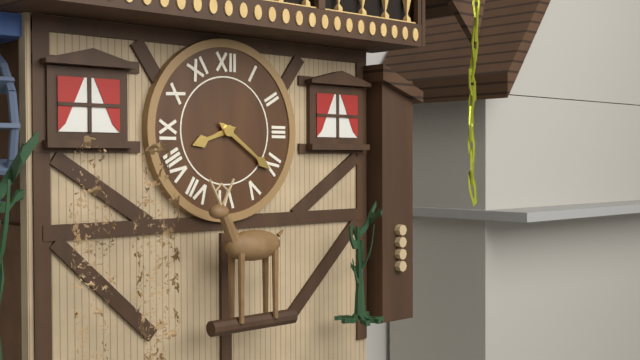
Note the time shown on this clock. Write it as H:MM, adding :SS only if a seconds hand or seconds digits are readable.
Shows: 8:21
